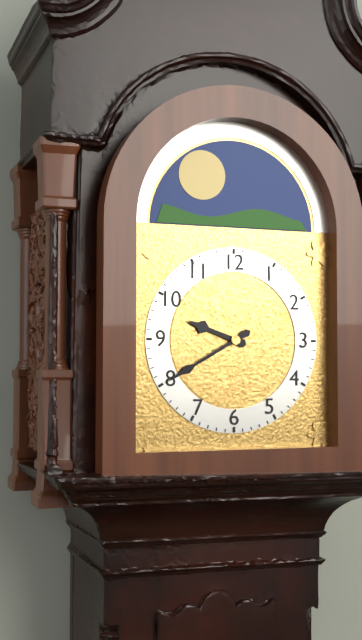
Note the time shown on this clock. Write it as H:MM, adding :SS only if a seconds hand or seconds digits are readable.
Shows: 9:40
